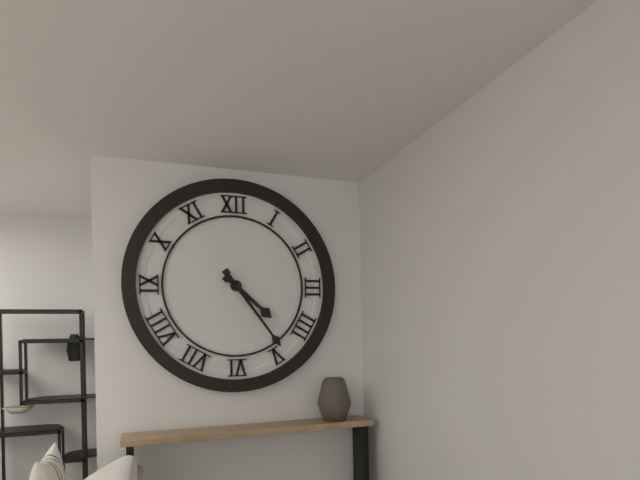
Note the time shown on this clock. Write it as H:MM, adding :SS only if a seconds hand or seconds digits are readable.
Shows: 4:24
